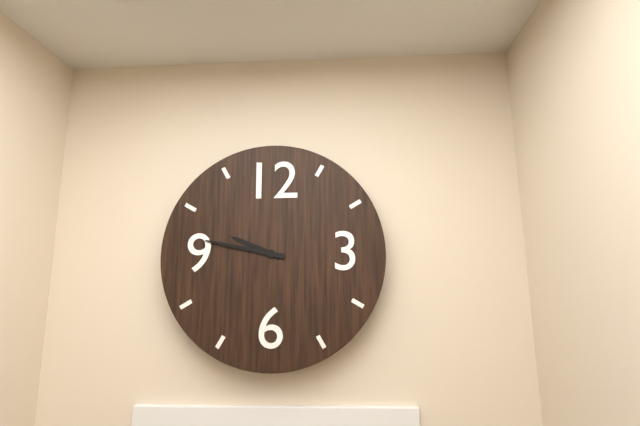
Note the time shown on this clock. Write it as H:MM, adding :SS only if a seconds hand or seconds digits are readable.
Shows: 9:47
